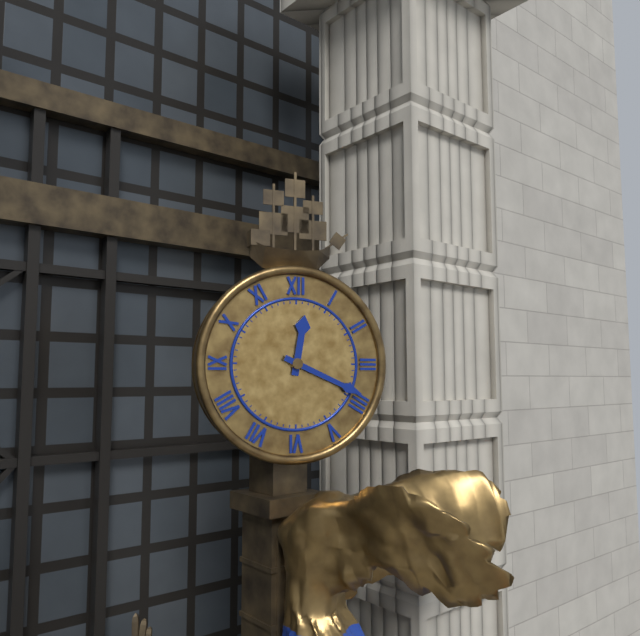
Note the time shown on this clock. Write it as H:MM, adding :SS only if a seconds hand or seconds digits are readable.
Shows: 12:19
